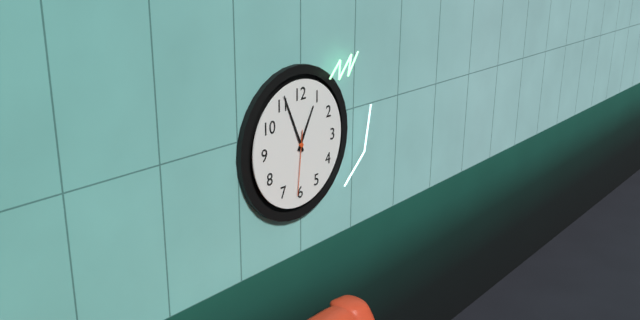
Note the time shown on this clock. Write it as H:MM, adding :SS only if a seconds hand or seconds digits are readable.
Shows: 12:56:31
